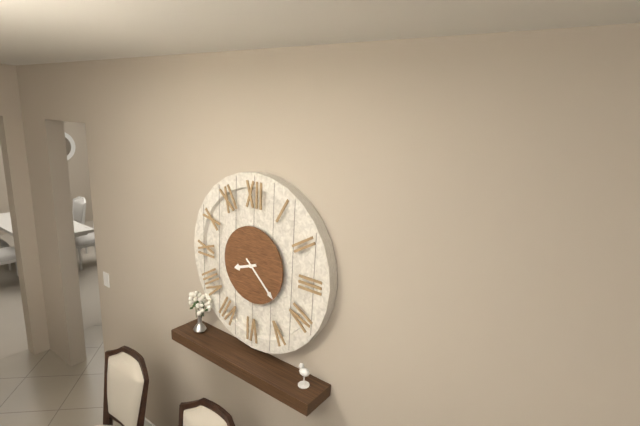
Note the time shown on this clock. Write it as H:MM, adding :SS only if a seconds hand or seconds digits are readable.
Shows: 8:22
